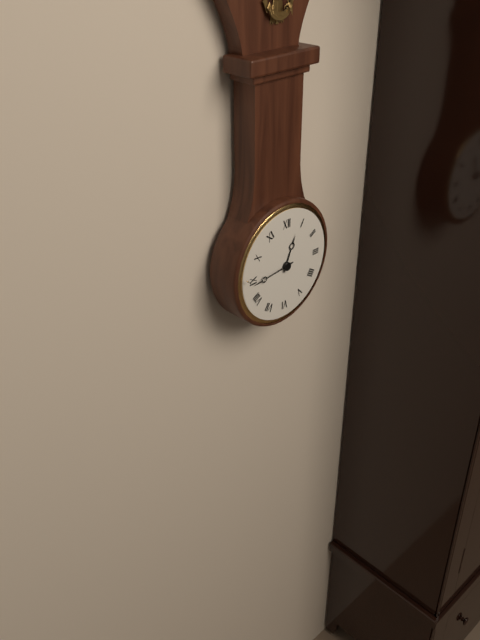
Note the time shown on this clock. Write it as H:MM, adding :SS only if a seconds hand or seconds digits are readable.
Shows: 12:44
